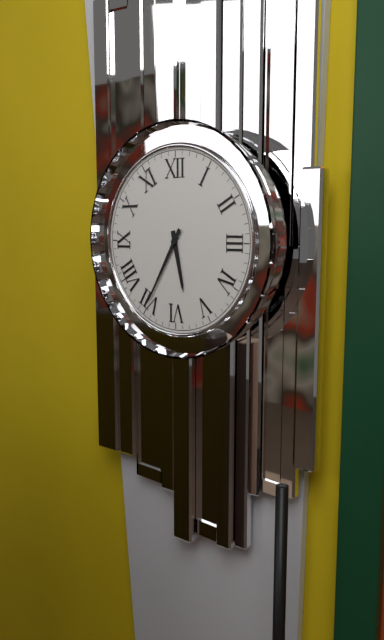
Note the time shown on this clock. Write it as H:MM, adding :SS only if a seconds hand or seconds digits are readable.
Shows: 5:35
